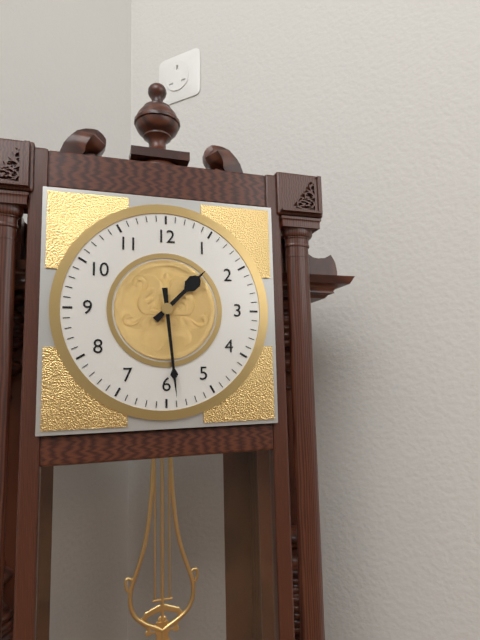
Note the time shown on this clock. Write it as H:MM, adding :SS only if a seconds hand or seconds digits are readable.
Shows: 1:29
